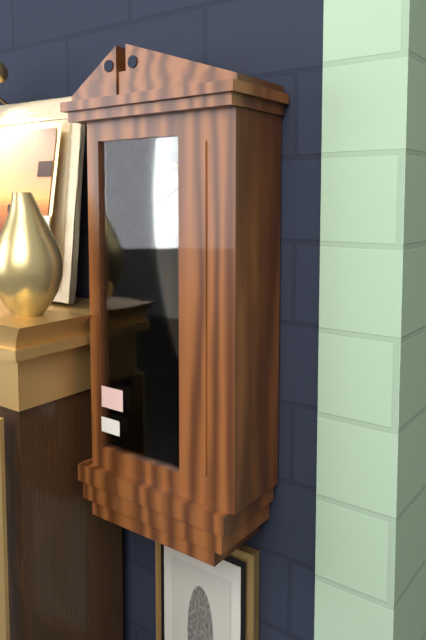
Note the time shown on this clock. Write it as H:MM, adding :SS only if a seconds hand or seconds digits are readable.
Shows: 12:09
